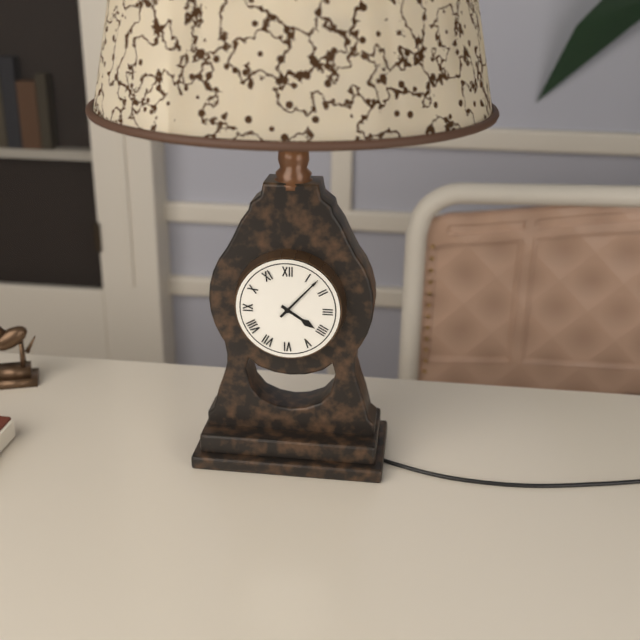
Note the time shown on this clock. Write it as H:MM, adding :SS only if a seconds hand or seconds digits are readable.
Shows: 4:07
